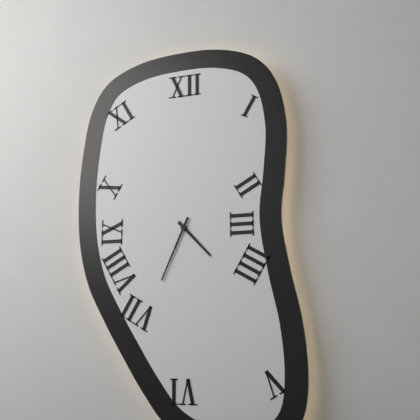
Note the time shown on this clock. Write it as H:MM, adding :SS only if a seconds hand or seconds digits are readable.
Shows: 4:34
